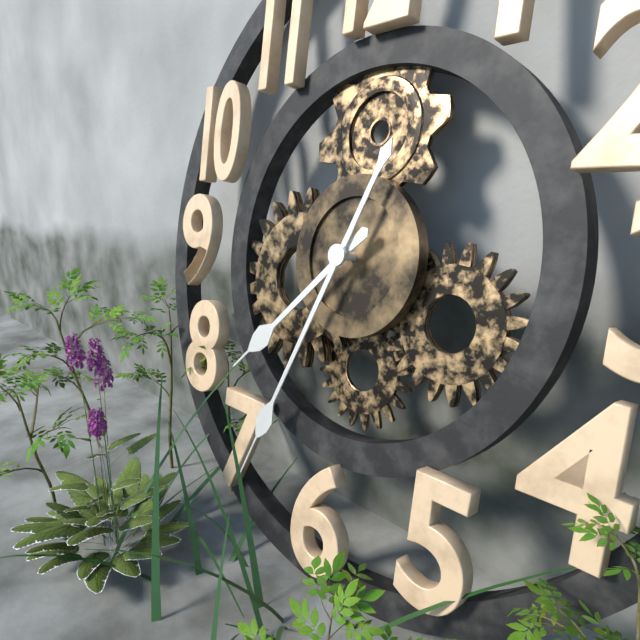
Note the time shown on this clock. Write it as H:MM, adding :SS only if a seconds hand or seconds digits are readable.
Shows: 7:34
